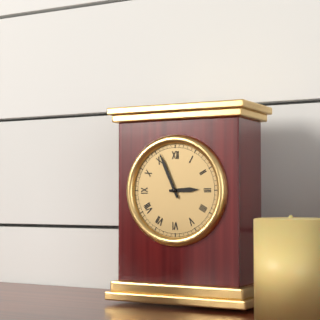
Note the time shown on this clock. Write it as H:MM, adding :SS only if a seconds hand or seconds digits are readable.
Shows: 2:56
